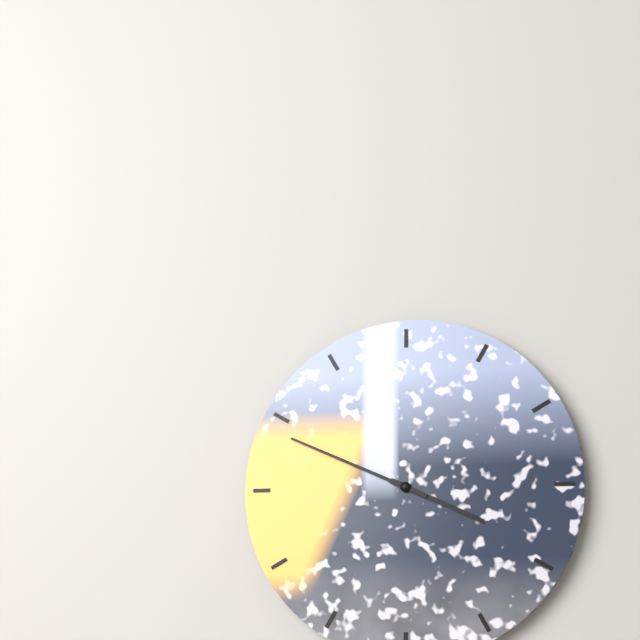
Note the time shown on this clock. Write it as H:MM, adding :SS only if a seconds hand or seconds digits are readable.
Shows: 3:49
